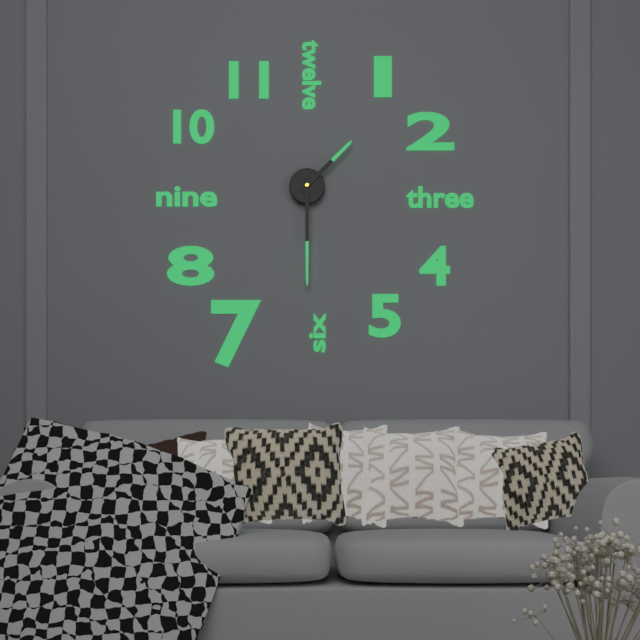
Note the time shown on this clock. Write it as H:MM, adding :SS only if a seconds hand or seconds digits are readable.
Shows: 1:30
